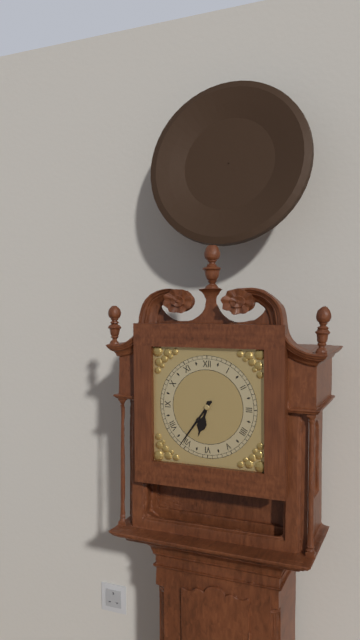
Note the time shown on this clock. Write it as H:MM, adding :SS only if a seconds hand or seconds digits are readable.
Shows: 6:36
